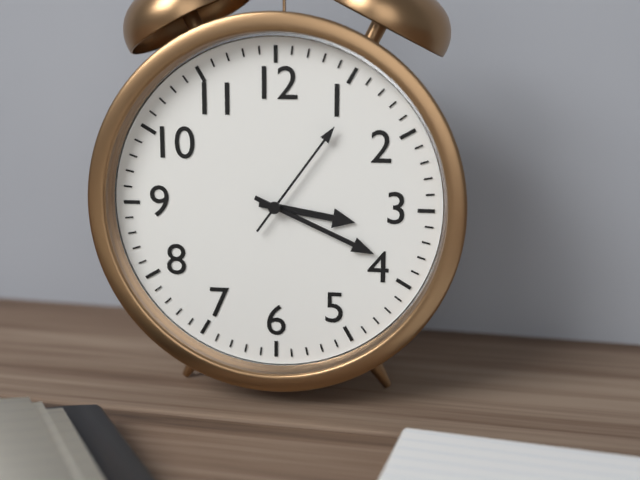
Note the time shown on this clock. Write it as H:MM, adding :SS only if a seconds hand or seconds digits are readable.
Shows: 3:19:06
